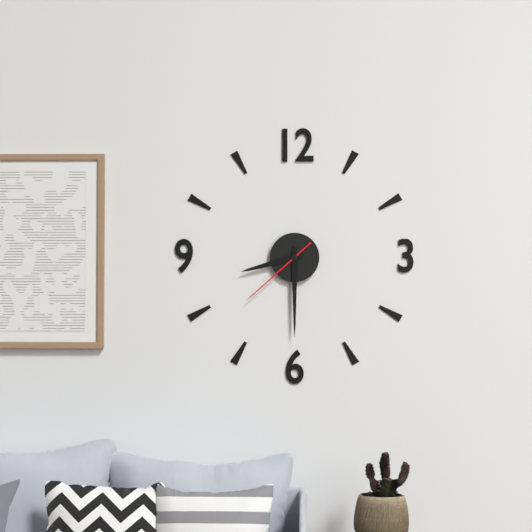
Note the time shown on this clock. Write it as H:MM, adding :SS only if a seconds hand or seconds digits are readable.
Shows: 8:30:38
